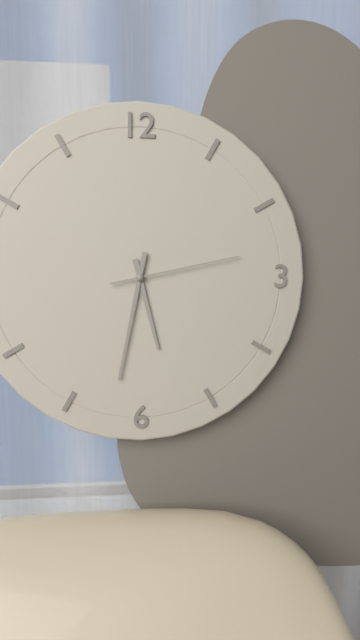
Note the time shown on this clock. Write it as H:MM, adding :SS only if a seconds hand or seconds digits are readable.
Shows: 5:32:13
